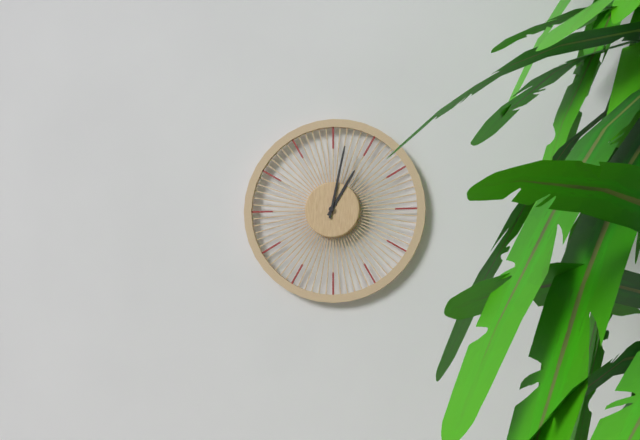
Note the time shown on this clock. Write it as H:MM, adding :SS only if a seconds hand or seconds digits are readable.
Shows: 1:02
